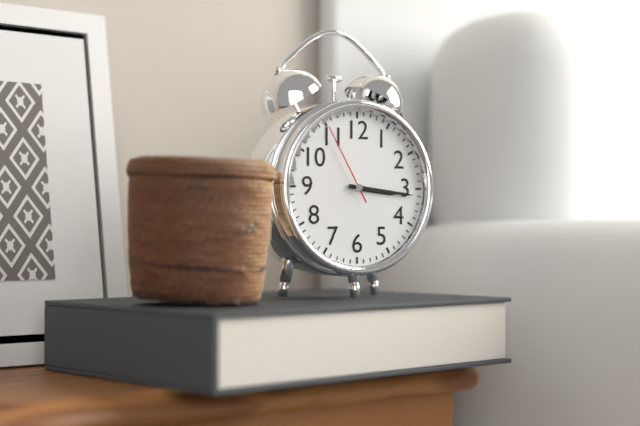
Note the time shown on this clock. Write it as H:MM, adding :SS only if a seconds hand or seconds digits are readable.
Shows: 3:16:55
